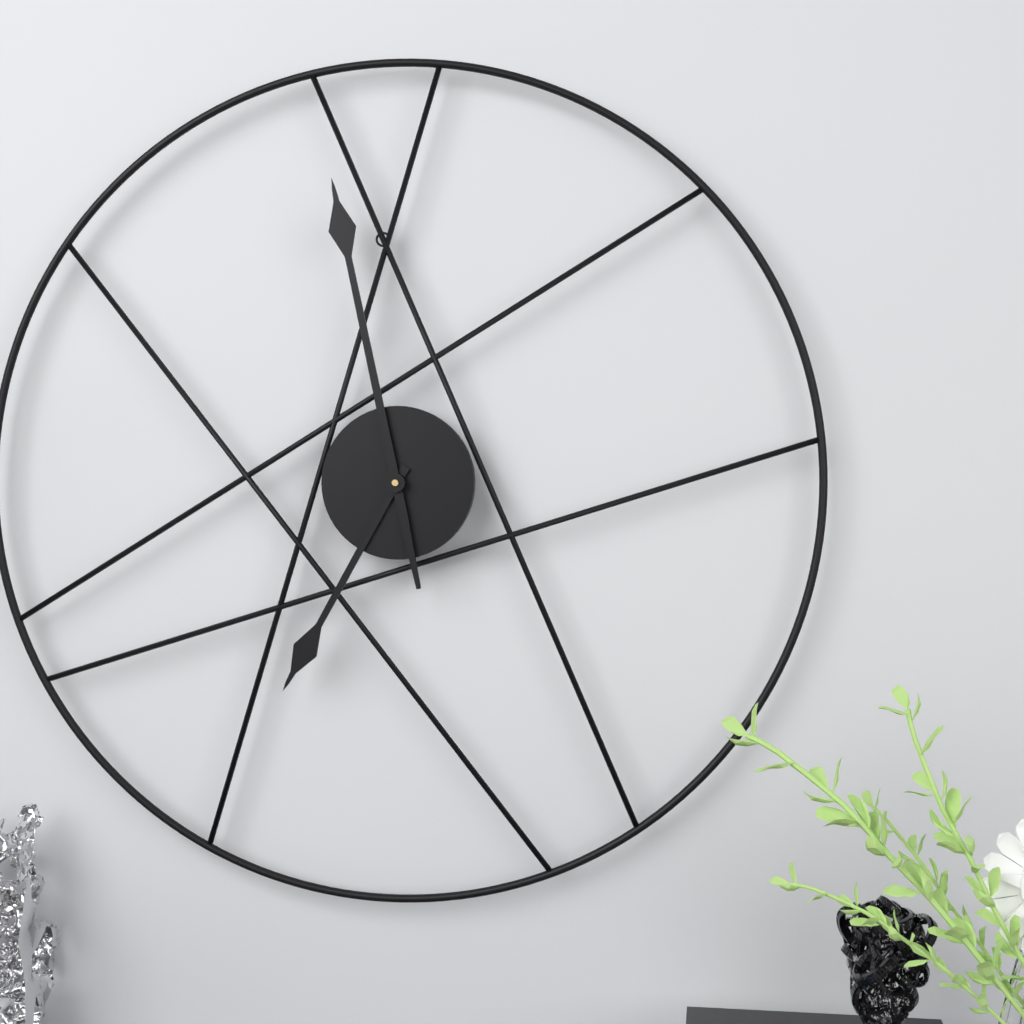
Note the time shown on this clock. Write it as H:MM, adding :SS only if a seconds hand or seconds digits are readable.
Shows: 6:58
